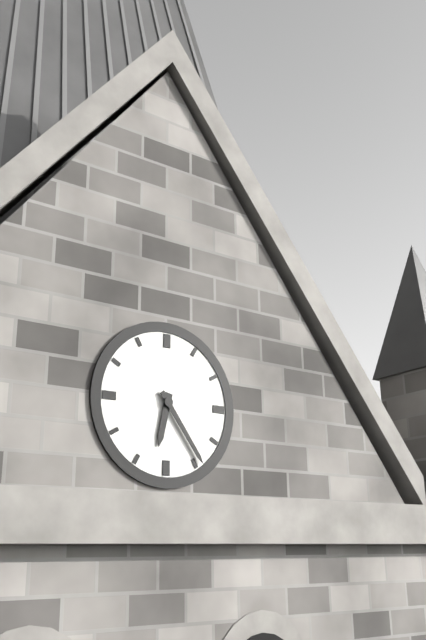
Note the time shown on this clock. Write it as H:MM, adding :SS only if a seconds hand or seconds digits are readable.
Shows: 6:24
